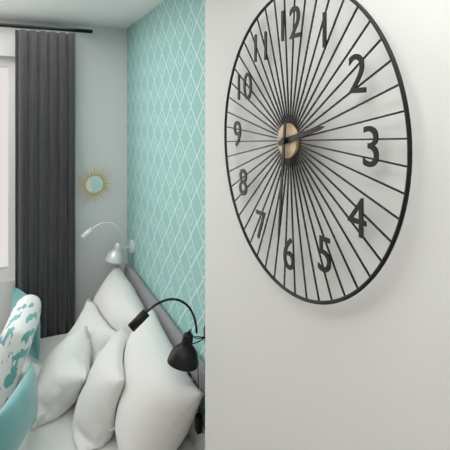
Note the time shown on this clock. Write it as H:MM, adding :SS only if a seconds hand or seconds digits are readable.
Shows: 2:31
